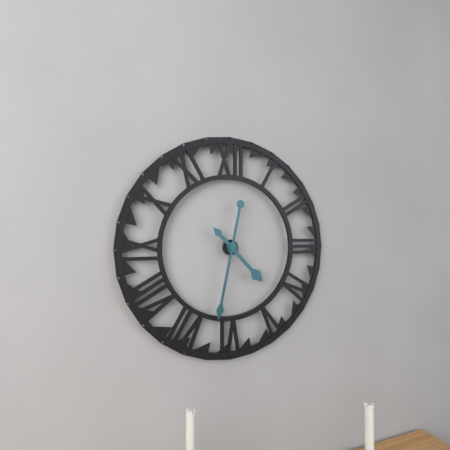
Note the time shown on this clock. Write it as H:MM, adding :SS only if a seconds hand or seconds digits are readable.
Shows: 4:32
